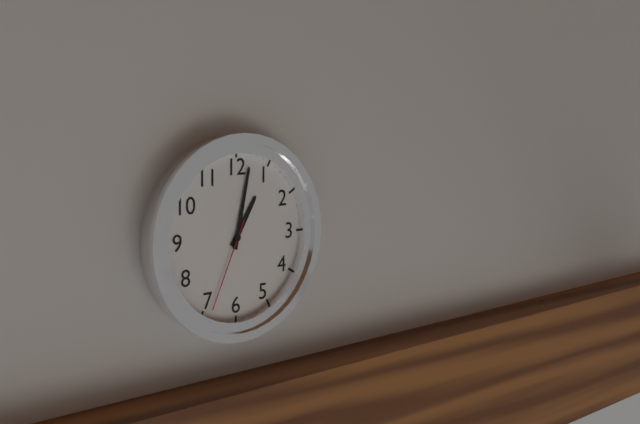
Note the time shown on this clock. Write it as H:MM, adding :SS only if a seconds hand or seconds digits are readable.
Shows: 1:02:34
